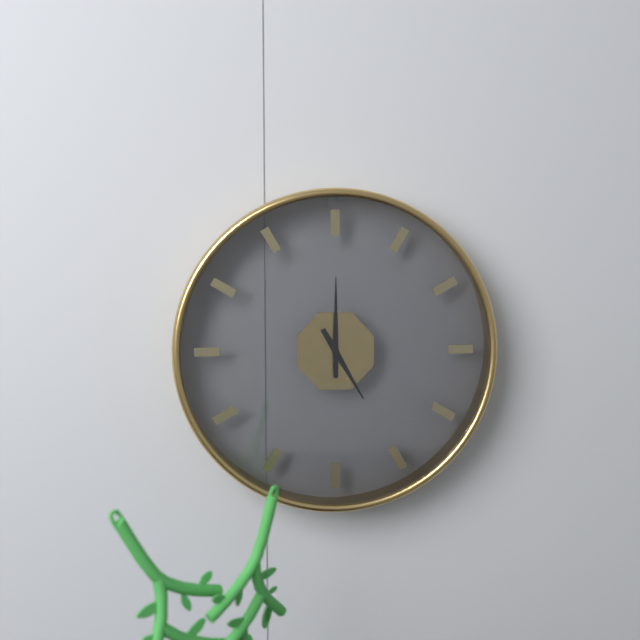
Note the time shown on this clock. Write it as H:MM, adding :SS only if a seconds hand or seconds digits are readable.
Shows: 5:00
